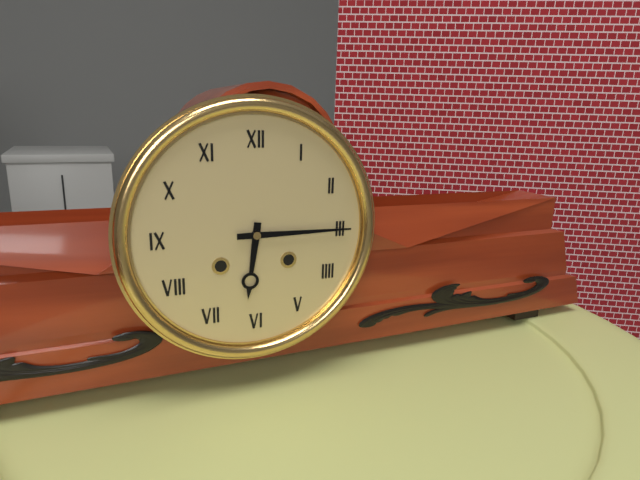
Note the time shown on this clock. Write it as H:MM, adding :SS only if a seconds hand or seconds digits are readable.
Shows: 6:15
